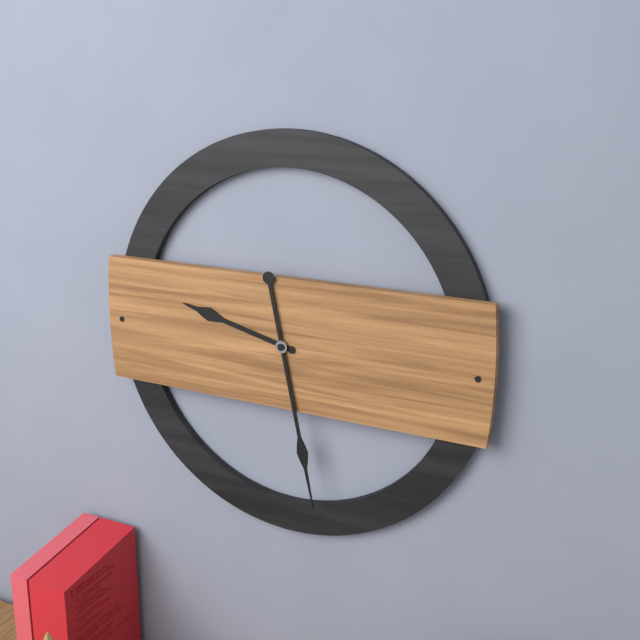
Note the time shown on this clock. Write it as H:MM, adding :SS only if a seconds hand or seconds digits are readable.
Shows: 9:28
